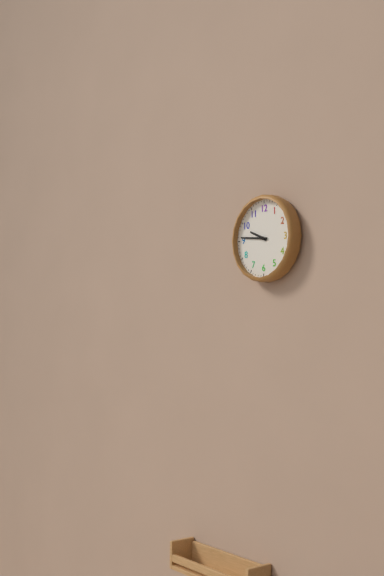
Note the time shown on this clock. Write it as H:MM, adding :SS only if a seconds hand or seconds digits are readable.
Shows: 9:46
